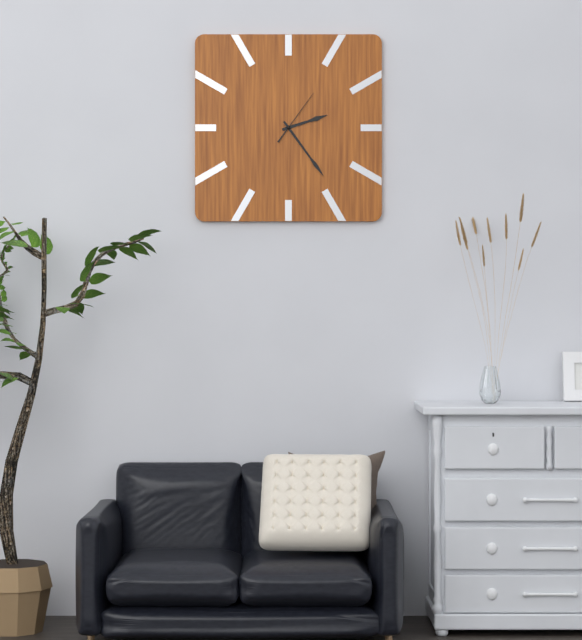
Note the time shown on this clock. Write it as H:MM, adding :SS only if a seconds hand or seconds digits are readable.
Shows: 2:24:06
